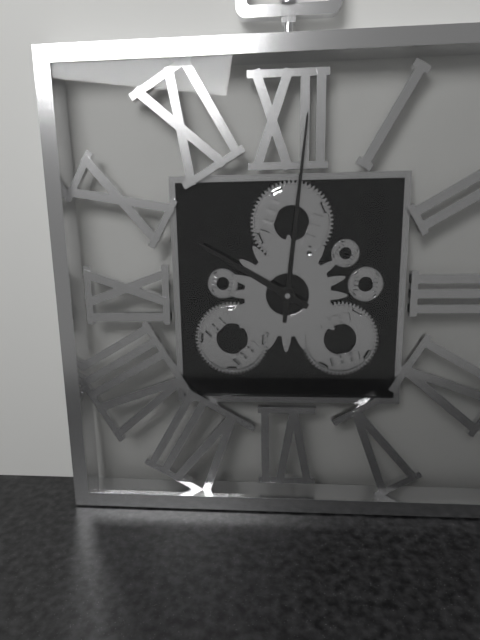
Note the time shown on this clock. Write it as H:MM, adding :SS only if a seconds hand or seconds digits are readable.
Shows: 10:01
